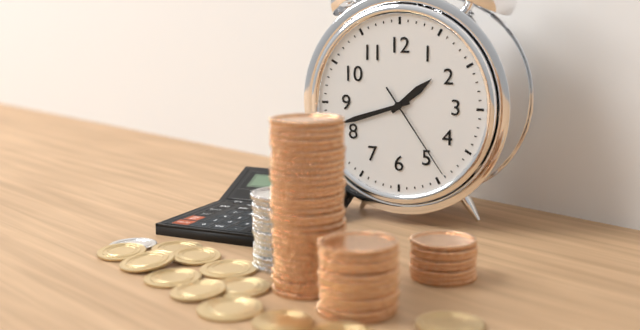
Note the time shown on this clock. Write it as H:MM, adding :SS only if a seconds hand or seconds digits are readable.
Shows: 1:42:24
